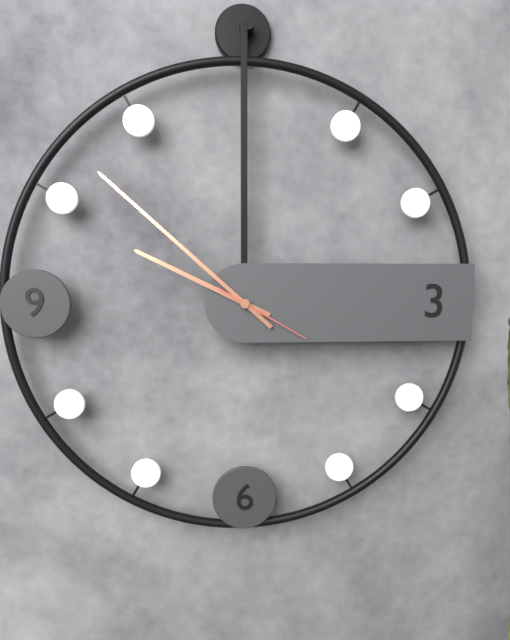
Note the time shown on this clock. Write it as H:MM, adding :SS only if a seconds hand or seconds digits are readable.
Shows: 9:52:20
